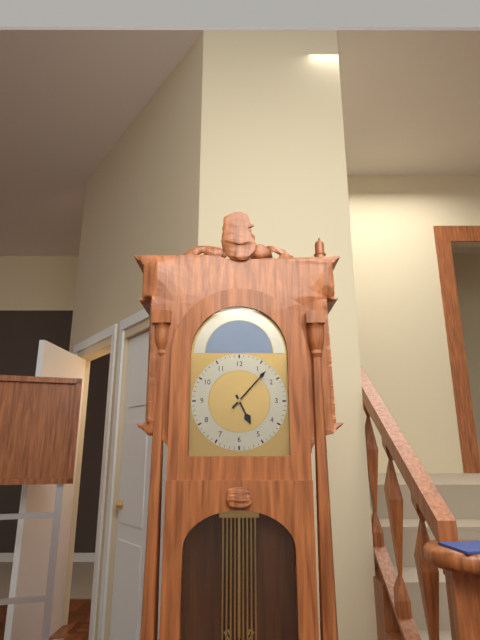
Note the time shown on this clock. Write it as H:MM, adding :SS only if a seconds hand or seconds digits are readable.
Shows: 5:07
